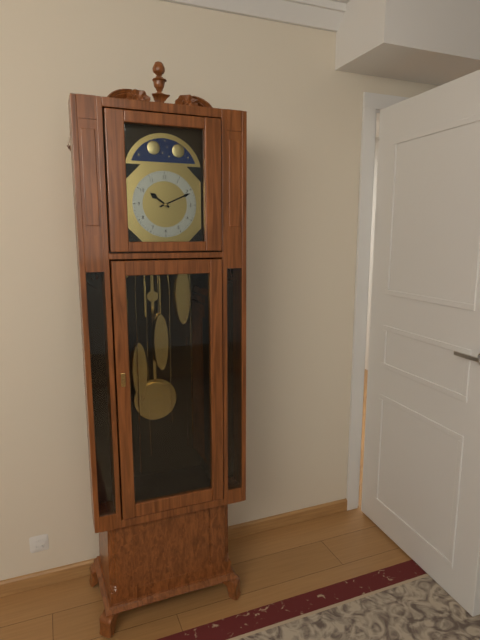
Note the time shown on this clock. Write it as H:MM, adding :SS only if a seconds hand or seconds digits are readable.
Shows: 10:11
